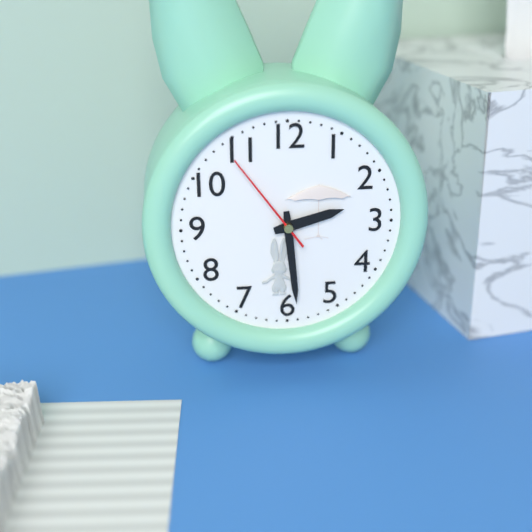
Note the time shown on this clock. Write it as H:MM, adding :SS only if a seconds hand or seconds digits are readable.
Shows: 2:29:54
